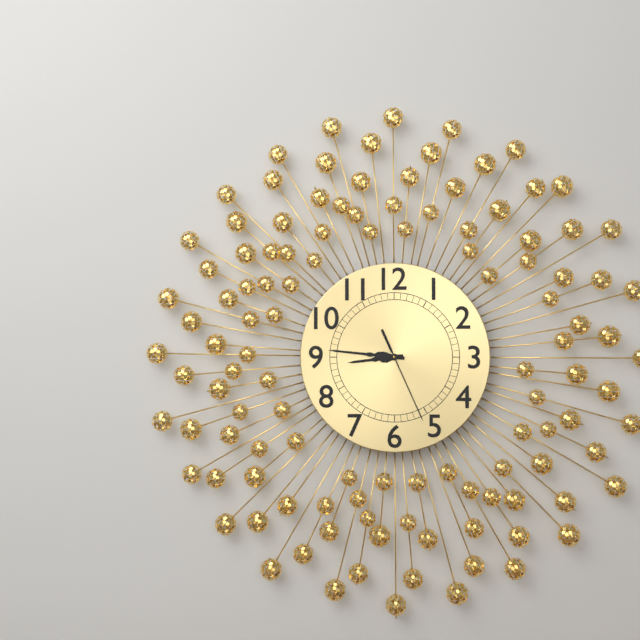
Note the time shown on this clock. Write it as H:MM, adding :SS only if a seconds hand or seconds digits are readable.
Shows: 8:46:26
